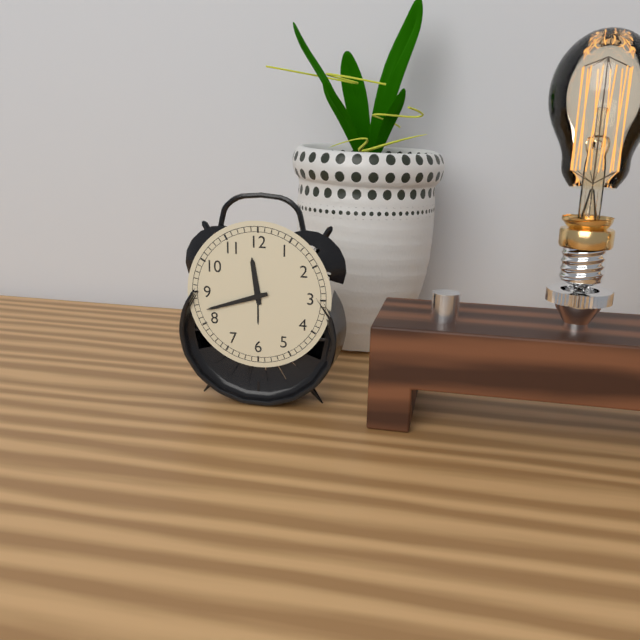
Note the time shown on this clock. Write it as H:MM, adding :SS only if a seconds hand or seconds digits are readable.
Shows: 11:42
